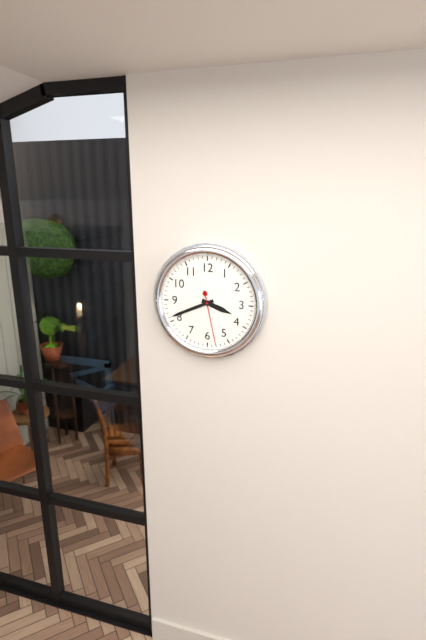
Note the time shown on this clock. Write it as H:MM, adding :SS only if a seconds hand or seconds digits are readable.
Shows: 3:41:28
